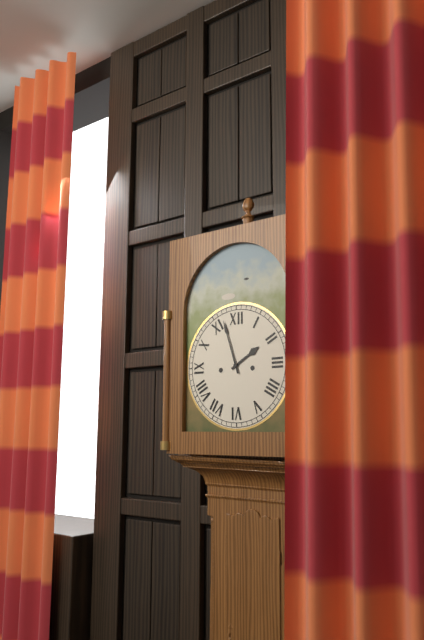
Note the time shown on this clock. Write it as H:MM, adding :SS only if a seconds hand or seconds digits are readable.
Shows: 1:57
